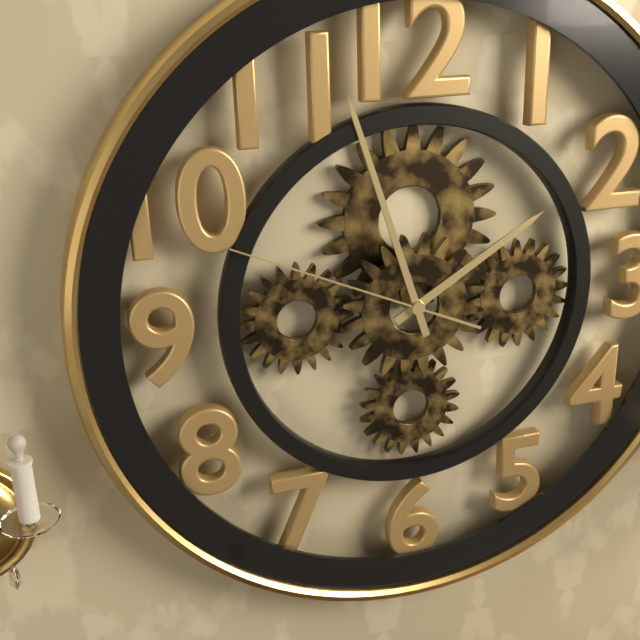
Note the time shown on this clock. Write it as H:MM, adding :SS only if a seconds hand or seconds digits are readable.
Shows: 1:57:49
